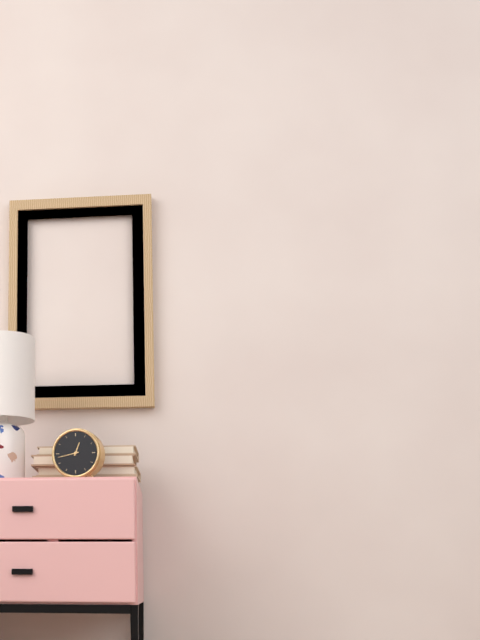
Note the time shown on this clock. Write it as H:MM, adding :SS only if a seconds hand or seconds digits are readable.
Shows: 12:43
